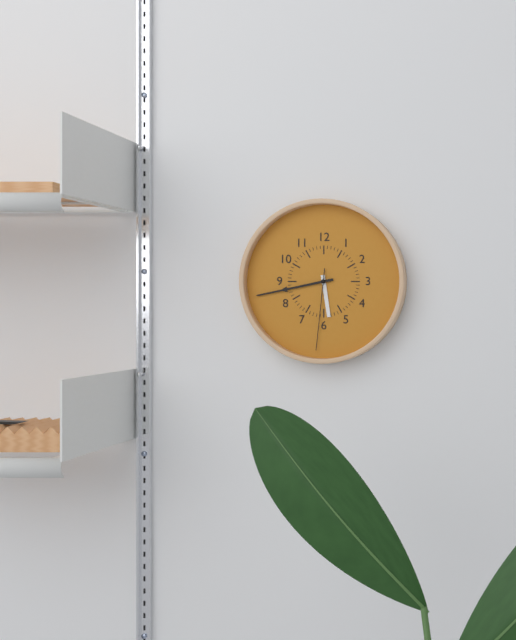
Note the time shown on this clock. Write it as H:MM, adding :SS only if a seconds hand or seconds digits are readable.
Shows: 5:43:31
